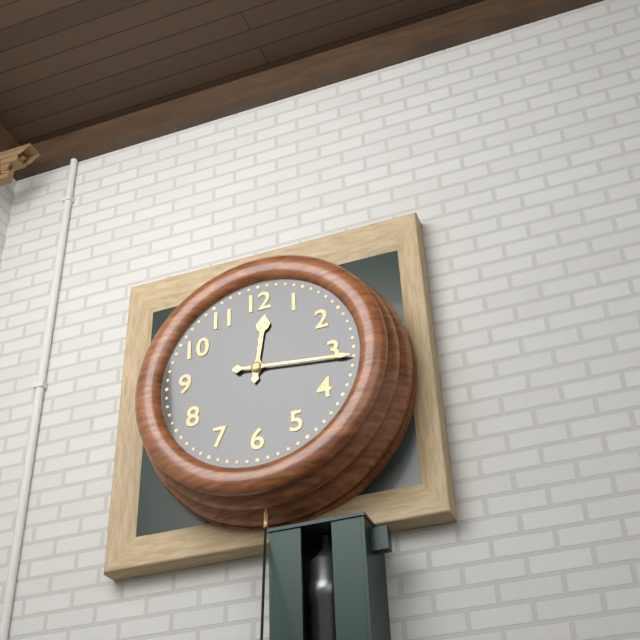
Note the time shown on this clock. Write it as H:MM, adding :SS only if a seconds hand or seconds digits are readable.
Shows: 12:16
